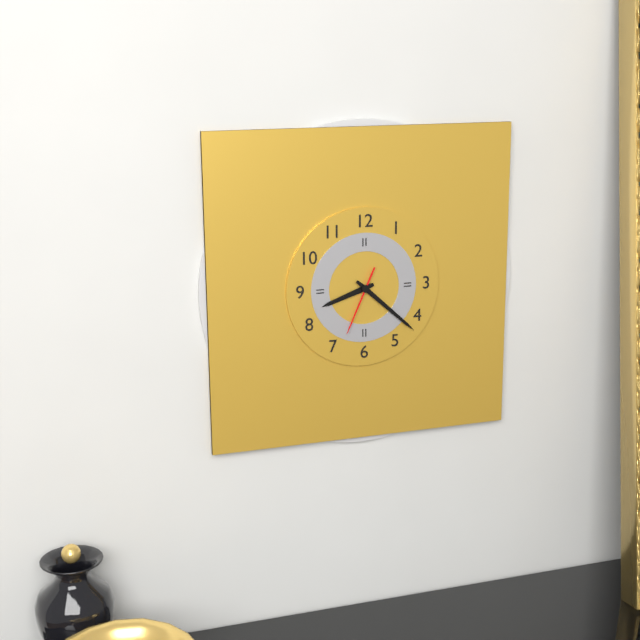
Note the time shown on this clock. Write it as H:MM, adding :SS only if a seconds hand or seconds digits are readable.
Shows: 8:22:34
